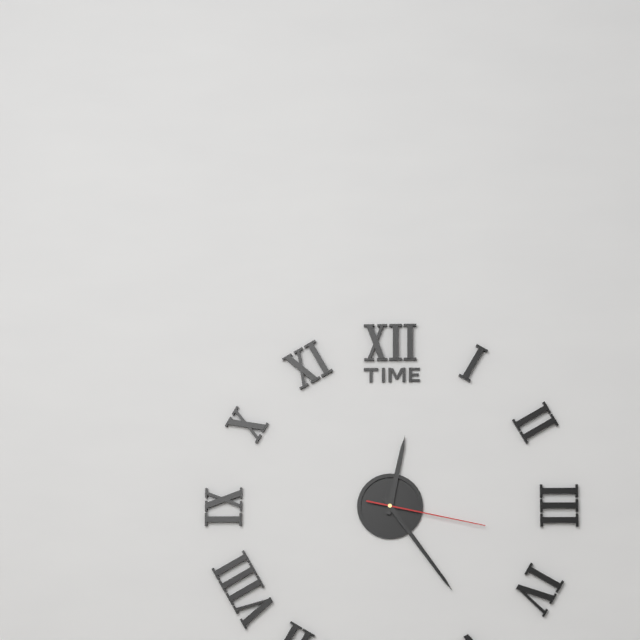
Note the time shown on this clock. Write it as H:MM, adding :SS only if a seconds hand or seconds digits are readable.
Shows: 12:24:17
